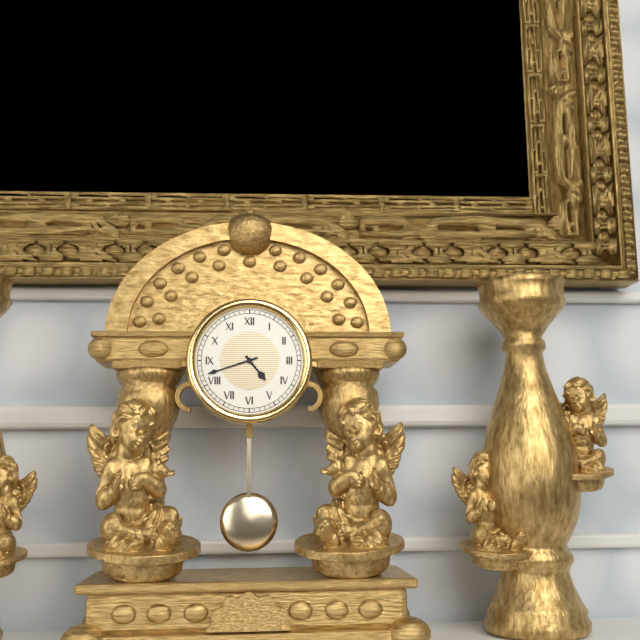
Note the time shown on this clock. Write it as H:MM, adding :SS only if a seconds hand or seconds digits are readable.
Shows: 4:42
